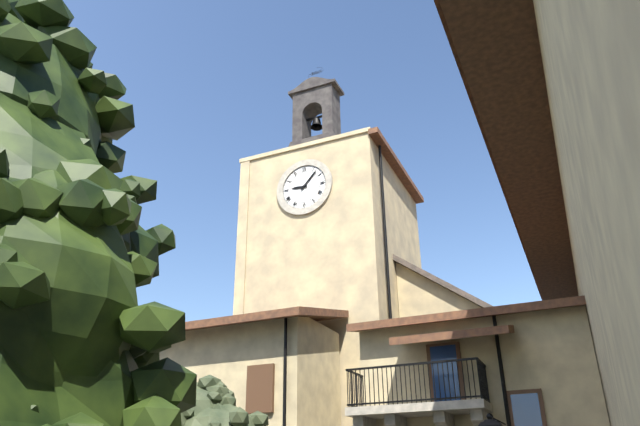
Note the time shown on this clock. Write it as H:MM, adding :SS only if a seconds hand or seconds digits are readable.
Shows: 9:07
